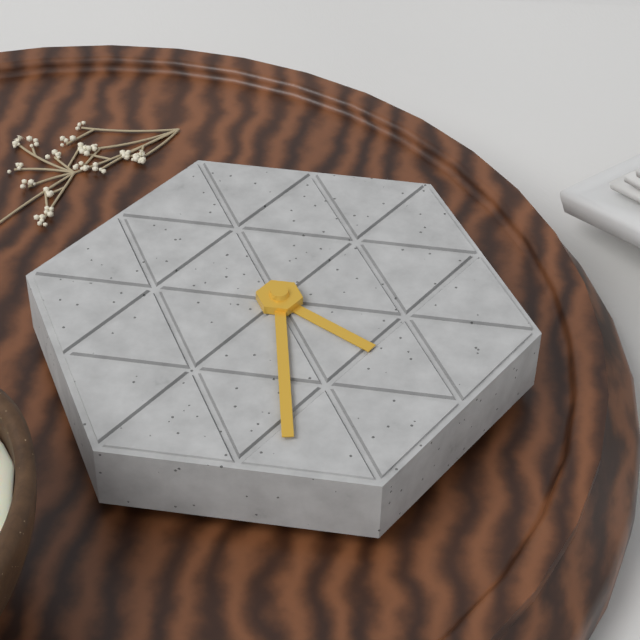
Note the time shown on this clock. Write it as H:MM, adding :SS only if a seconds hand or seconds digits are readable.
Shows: 9:58
